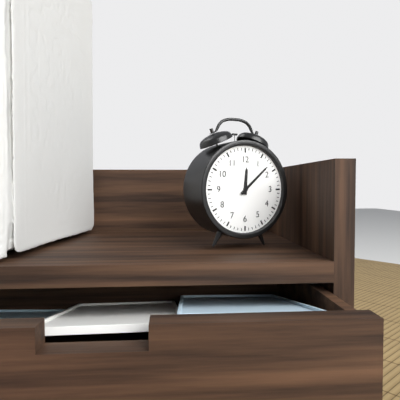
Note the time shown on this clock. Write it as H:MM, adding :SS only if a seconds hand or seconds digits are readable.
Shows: 12:08
